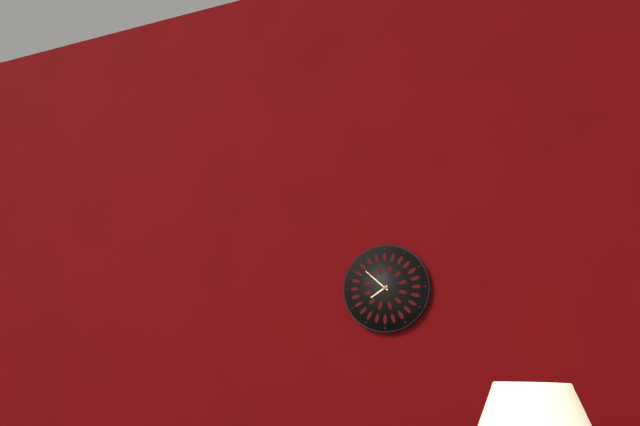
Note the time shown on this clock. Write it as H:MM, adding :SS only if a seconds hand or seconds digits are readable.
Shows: 7:52
